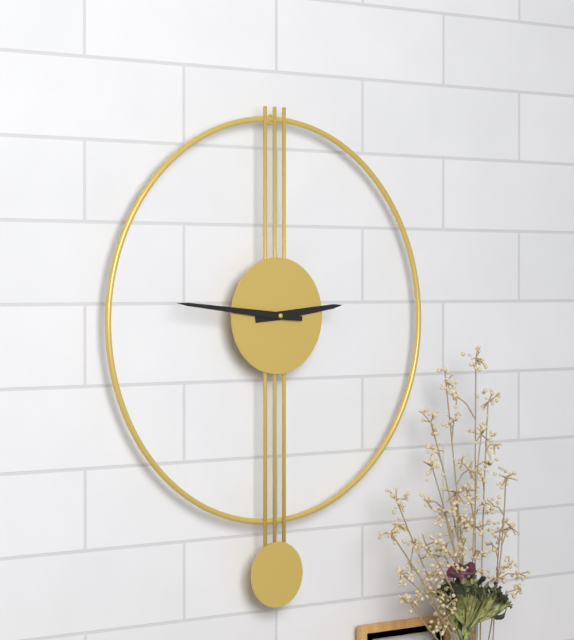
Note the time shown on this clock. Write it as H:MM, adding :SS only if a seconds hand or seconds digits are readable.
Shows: 2:46
